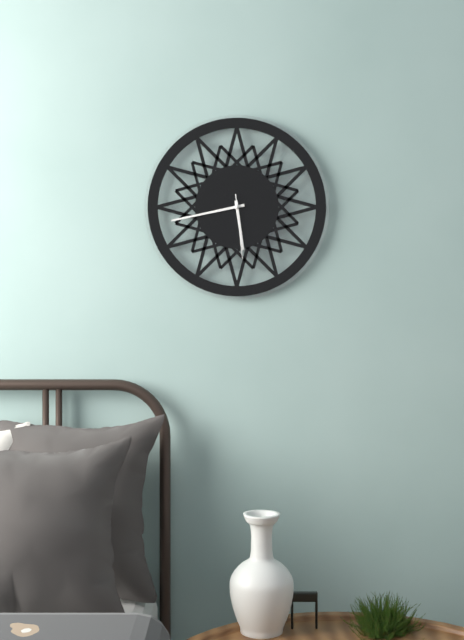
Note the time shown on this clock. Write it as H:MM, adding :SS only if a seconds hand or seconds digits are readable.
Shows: 5:43:29
